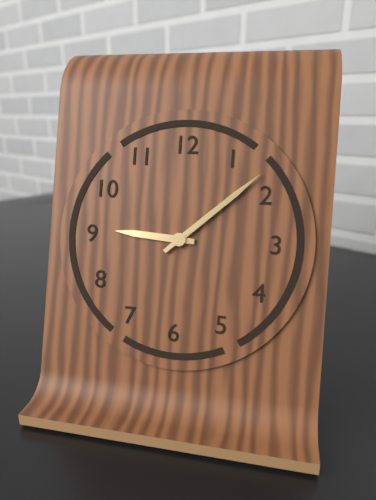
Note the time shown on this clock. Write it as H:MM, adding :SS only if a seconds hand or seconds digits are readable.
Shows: 9:08
